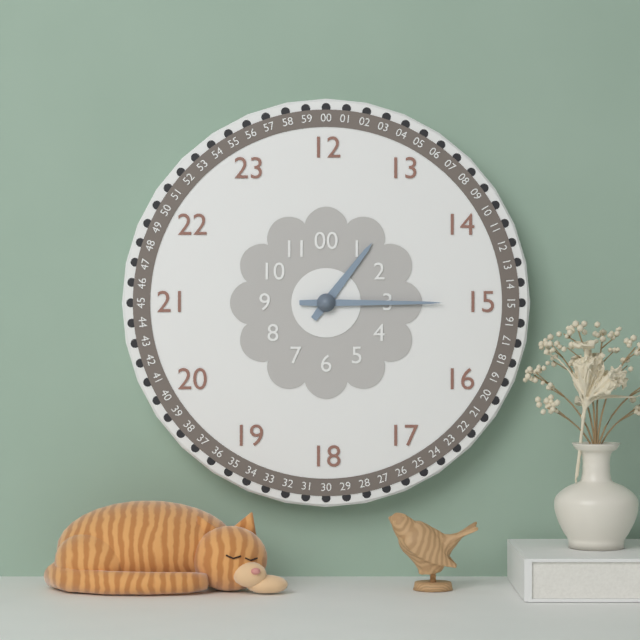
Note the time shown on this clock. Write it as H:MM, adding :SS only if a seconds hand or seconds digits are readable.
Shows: 1:15
